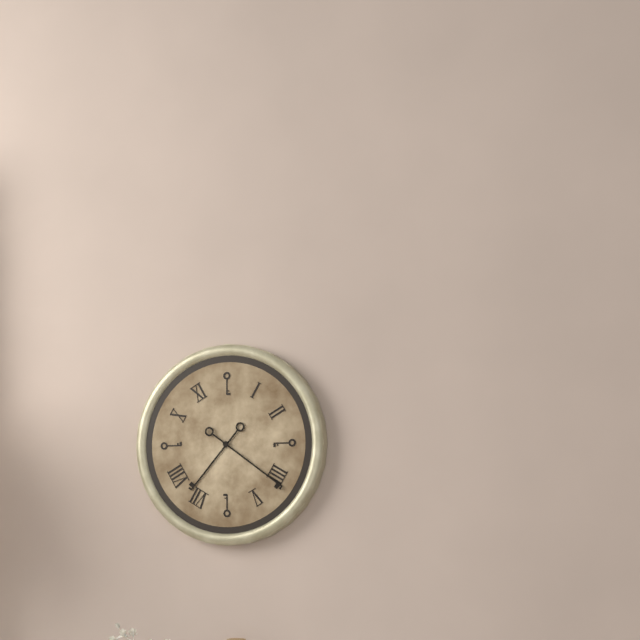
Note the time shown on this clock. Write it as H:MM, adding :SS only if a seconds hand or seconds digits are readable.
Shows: 7:21
